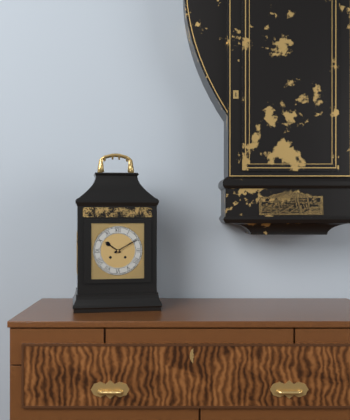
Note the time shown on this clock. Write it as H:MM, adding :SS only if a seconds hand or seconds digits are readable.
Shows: 10:10
